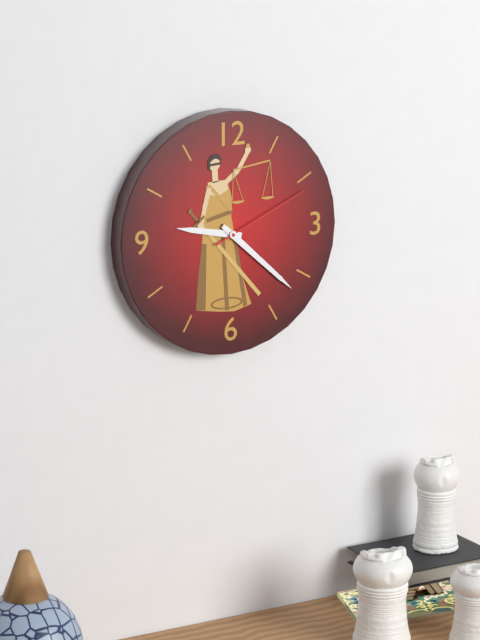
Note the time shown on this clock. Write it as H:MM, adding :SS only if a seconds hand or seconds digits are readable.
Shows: 9:22:11
